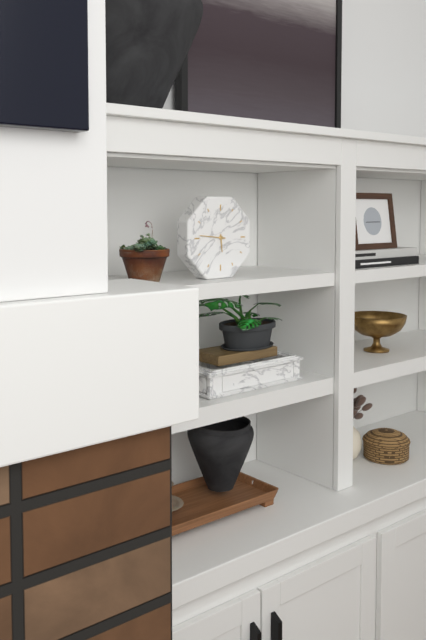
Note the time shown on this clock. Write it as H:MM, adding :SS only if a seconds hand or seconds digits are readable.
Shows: 5:46
